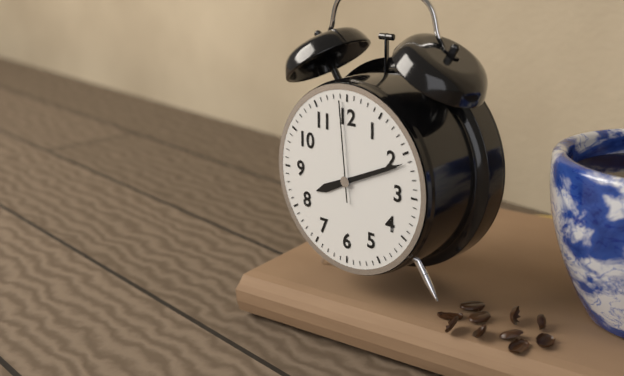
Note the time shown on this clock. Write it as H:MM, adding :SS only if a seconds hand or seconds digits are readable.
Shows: 8:11:59
